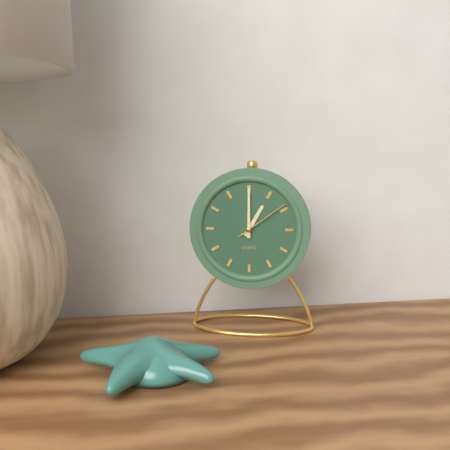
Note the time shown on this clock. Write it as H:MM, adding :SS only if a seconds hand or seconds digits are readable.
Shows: 1:00:09
